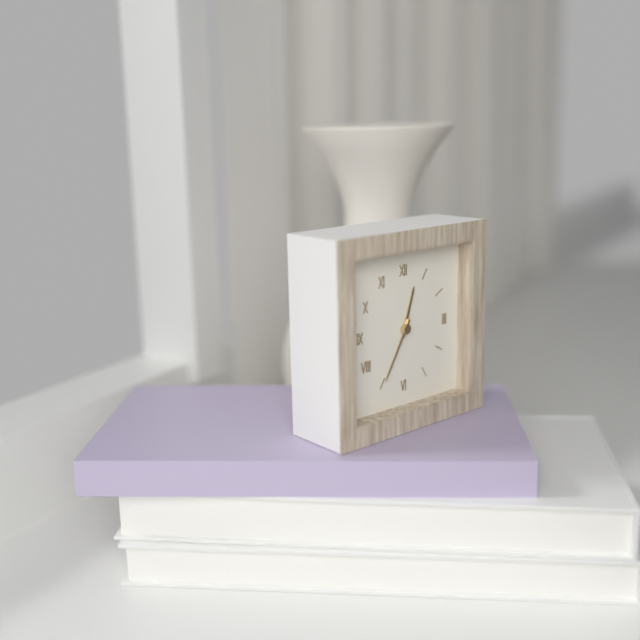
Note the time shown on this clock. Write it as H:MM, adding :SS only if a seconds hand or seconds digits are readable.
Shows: 12:35
